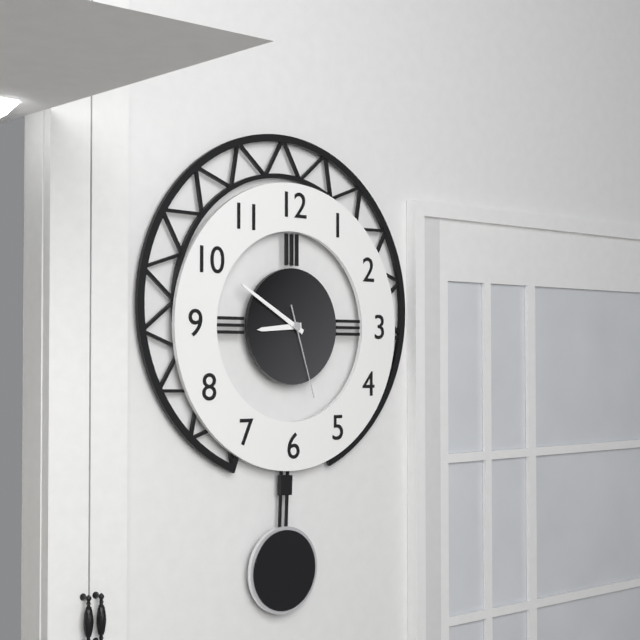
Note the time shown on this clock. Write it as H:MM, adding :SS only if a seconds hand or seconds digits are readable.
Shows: 8:50:27
